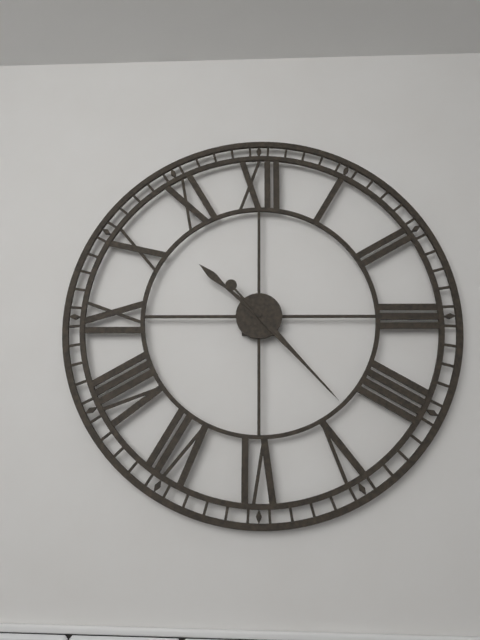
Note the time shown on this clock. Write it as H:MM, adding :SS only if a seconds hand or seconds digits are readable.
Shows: 10:23
